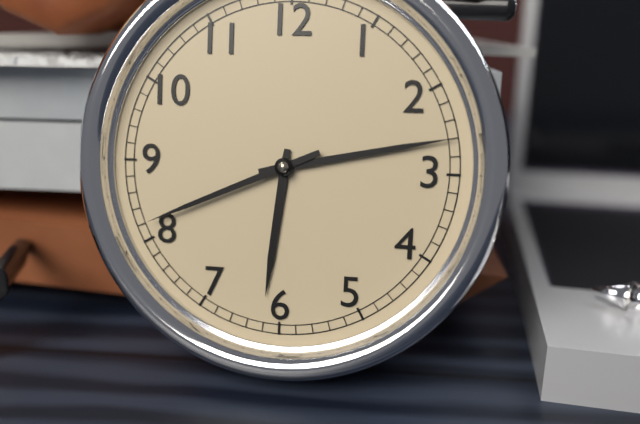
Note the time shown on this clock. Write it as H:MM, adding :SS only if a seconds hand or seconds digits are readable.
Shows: 6:13:41
